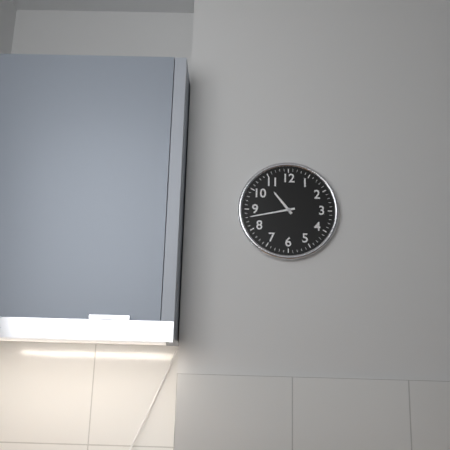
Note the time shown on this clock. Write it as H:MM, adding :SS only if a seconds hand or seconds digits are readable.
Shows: 10:43
